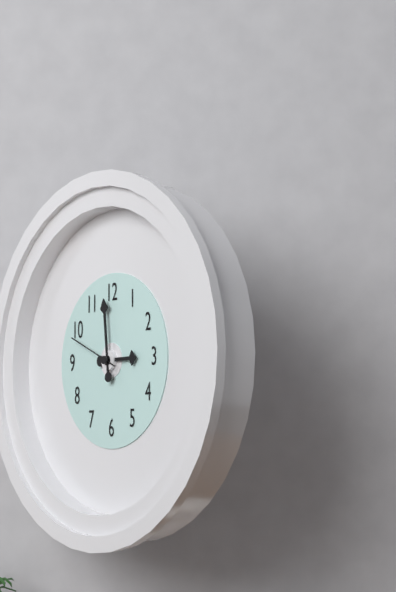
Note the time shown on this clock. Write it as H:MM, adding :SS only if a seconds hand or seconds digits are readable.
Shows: 2:59:49
